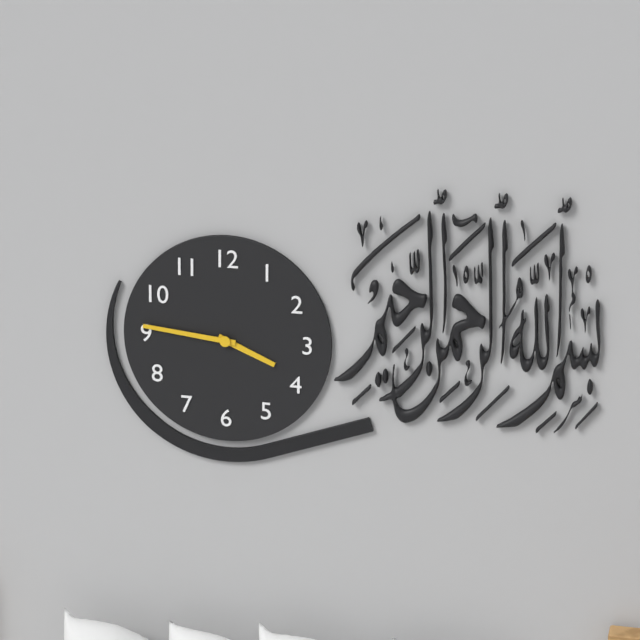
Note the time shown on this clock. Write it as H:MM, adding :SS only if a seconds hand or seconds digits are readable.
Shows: 3:46
